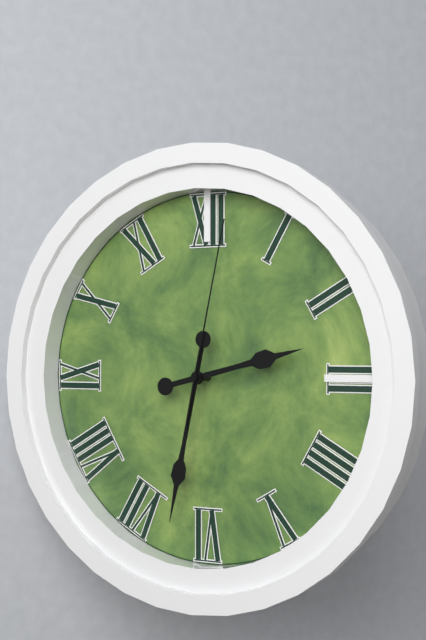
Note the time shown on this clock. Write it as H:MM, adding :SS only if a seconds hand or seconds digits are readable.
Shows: 2:32:02
